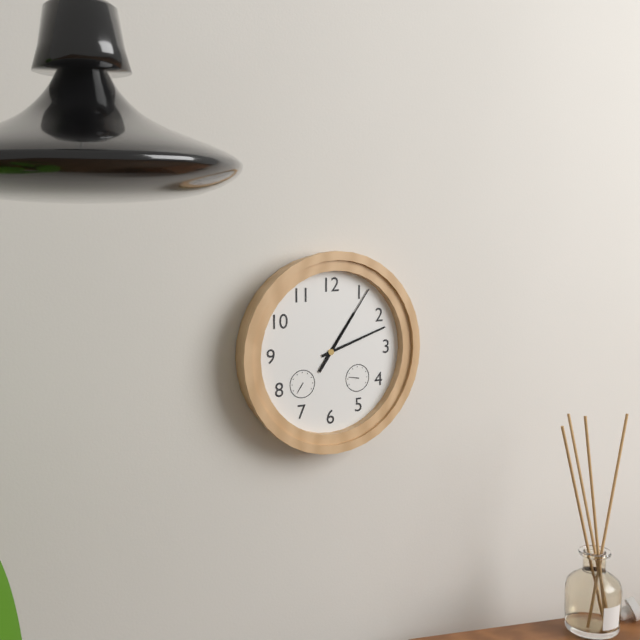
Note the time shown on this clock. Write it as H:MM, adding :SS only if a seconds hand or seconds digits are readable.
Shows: 1:12:06
